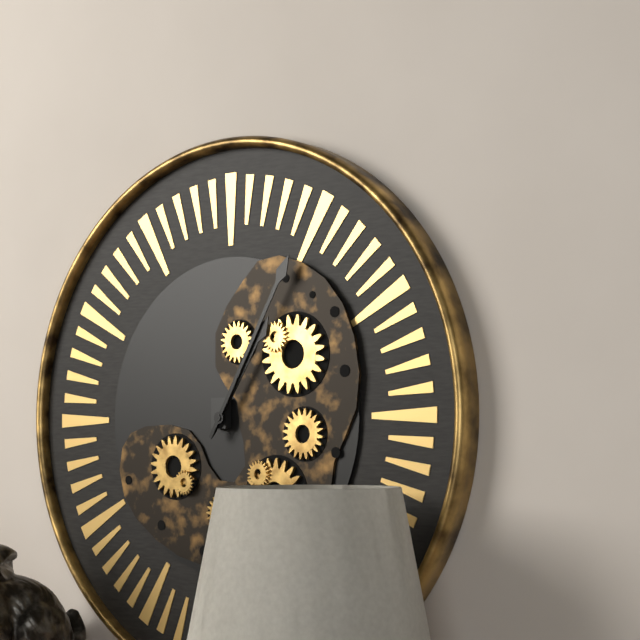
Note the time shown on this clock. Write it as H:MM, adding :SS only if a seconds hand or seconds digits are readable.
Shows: 1:05
